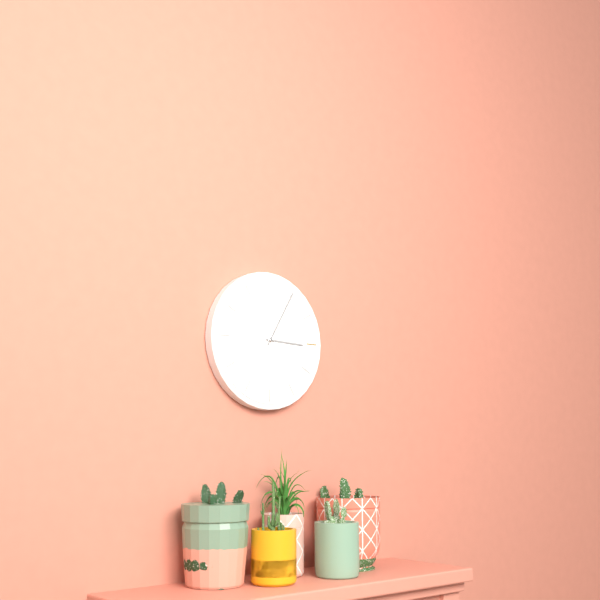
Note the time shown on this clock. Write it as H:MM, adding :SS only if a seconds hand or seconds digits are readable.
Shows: 3:05
